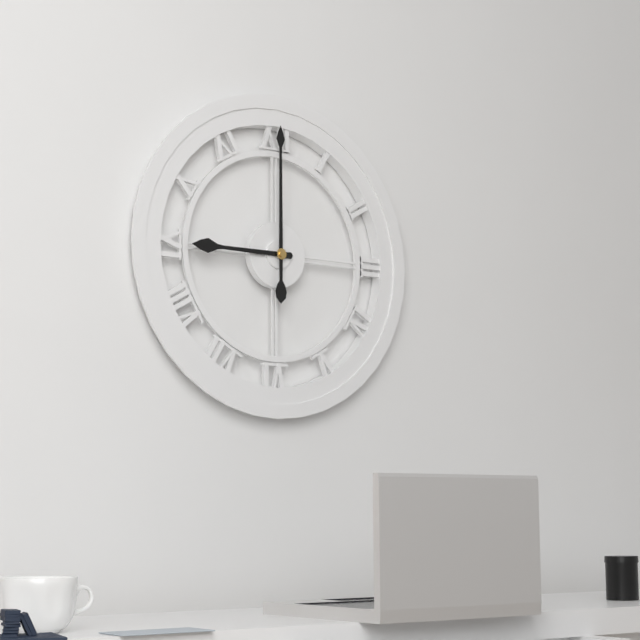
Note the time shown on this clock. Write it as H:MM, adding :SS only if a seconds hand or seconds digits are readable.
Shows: 9:00
